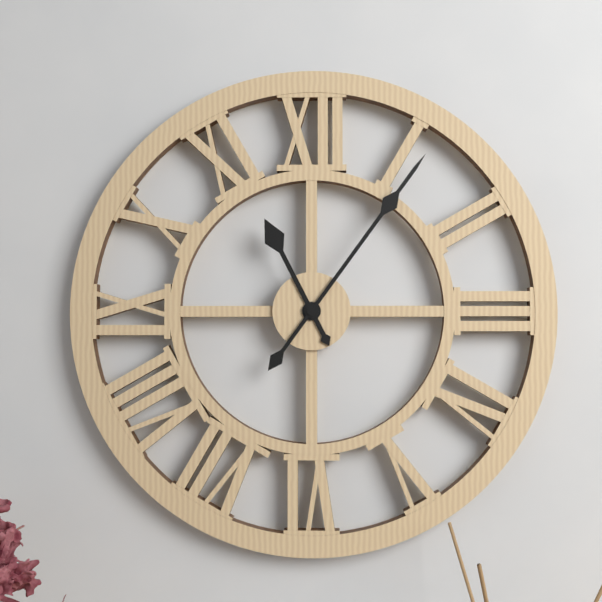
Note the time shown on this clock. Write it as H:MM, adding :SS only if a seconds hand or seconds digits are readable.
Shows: 11:06
